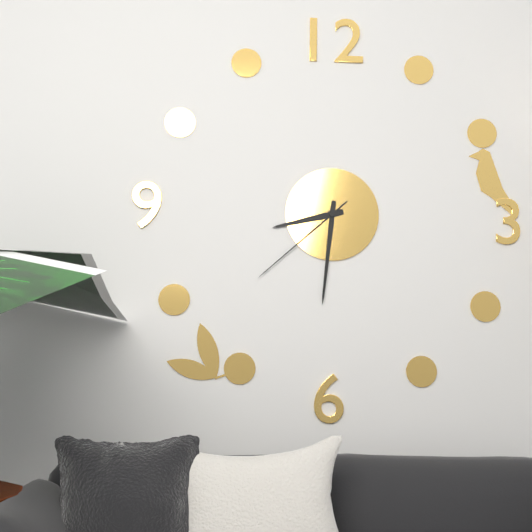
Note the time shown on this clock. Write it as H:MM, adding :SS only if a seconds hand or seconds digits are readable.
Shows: 8:31:38
